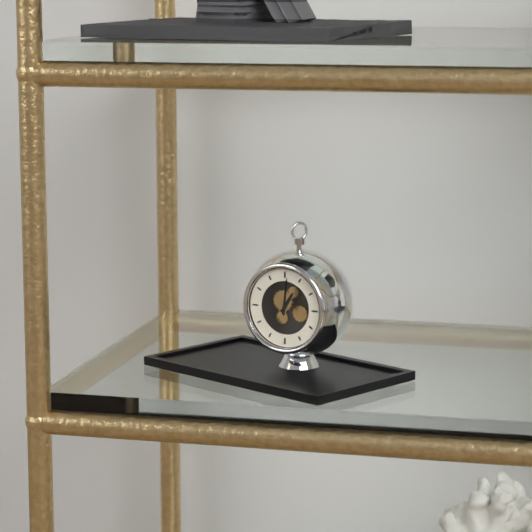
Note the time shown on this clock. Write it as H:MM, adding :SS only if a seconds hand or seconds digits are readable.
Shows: 1:01
